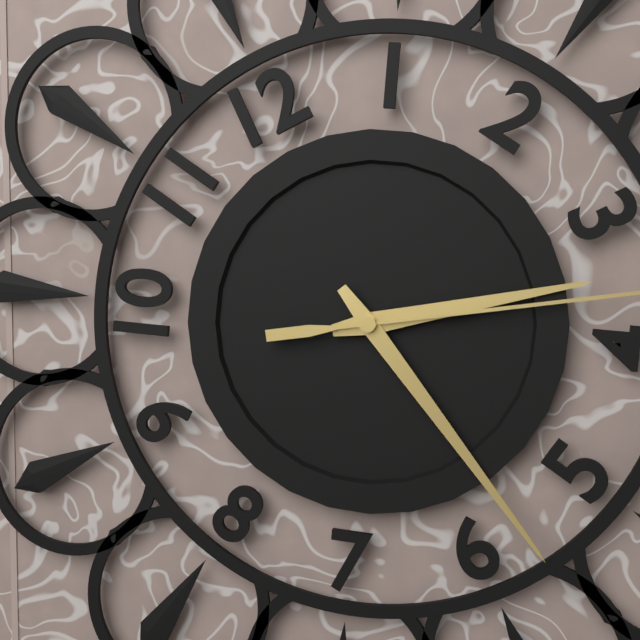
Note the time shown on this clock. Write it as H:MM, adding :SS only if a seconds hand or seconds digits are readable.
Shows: 3:28
